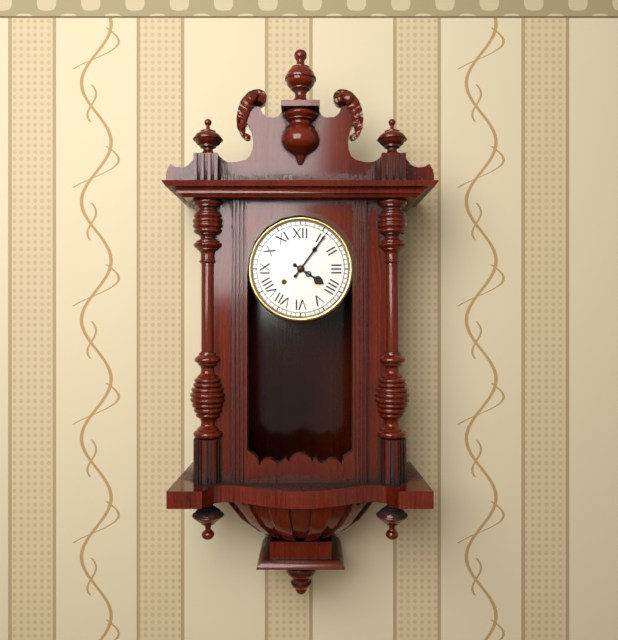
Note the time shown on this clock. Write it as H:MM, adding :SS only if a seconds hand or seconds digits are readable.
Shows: 4:06
